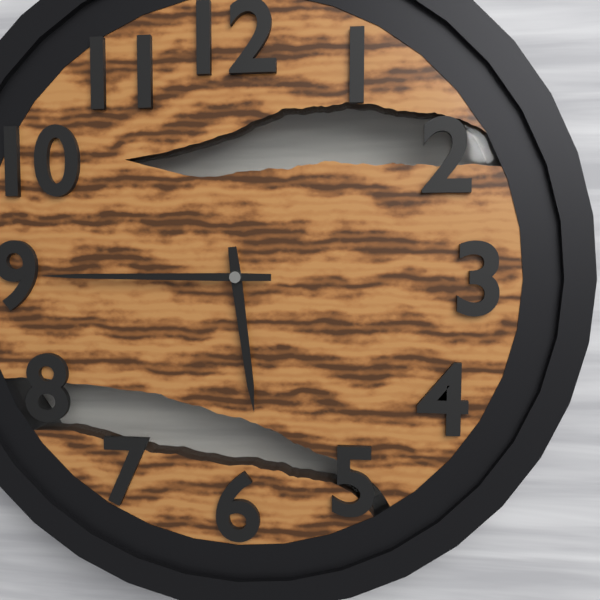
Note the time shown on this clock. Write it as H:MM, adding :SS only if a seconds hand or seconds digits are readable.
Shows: 5:45
